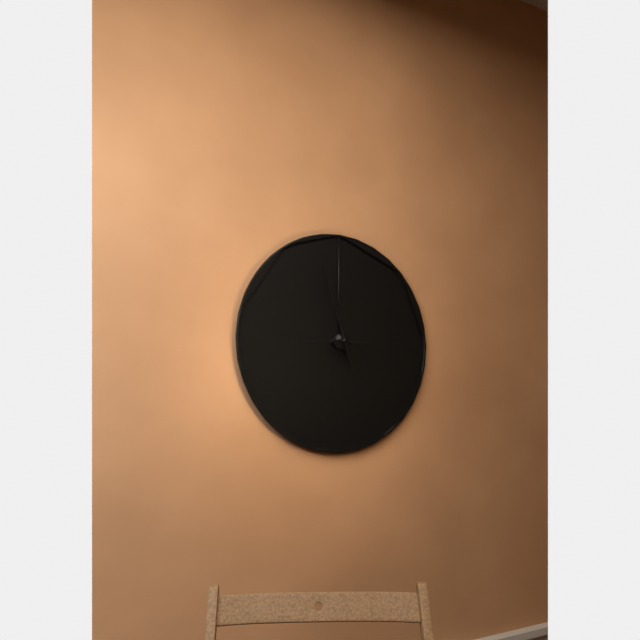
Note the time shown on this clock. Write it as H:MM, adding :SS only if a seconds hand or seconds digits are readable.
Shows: 8:57
